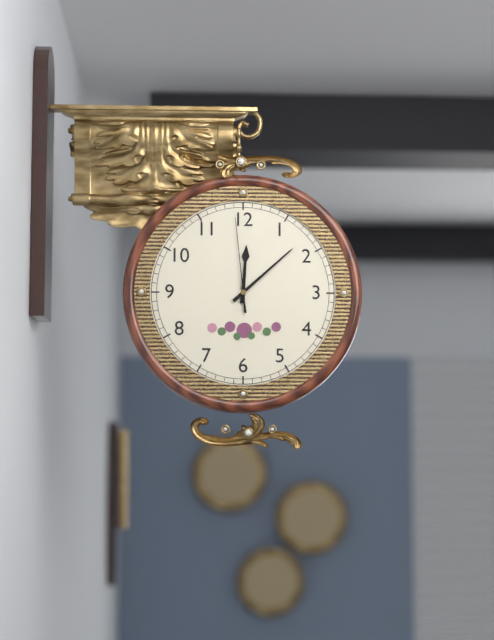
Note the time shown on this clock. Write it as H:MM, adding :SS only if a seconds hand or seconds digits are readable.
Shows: 12:08:59
